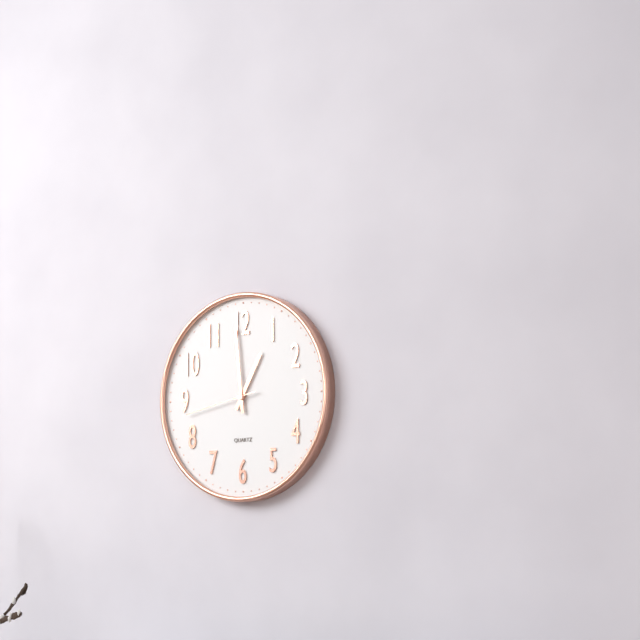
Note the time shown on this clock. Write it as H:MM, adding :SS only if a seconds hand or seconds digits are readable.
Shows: 12:59:43
